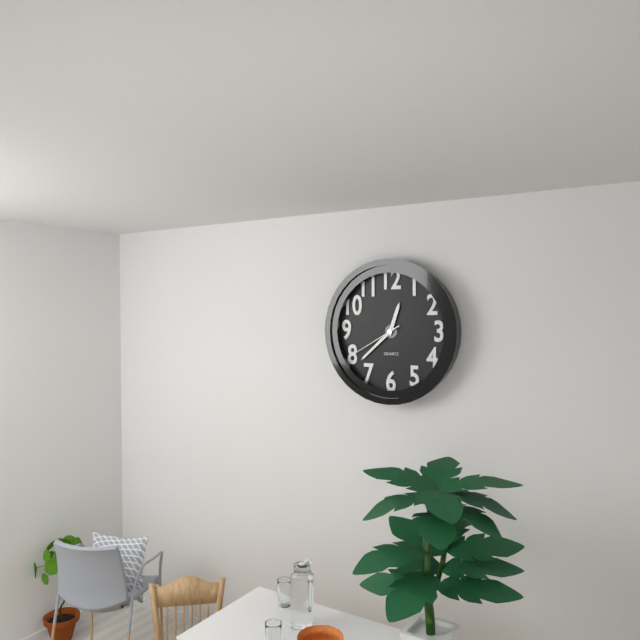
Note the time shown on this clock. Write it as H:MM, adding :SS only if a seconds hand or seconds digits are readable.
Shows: 12:38:40
